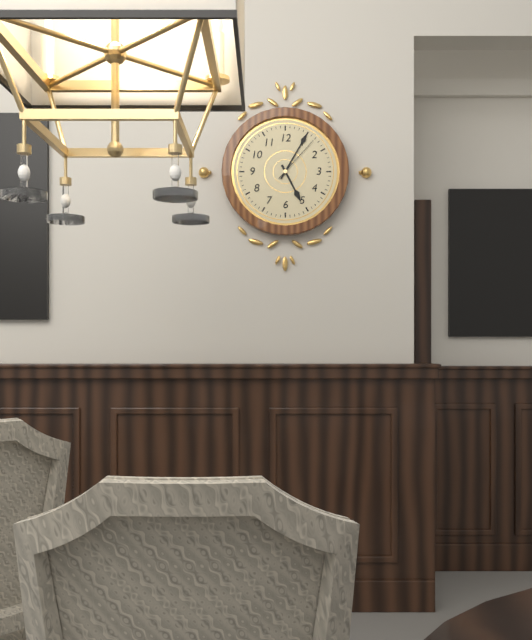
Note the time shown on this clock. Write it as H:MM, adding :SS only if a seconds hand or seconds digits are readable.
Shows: 5:05:07
